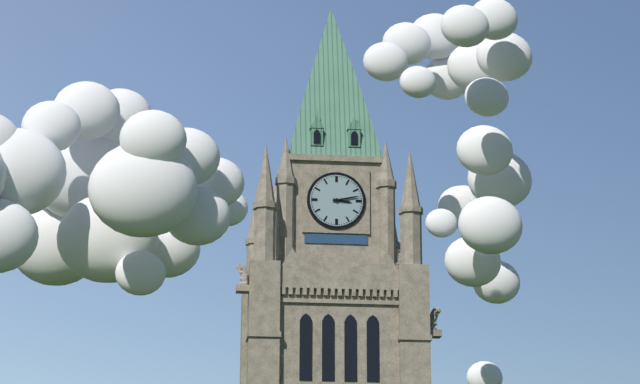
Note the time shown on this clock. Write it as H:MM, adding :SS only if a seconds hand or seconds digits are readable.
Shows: 3:13
